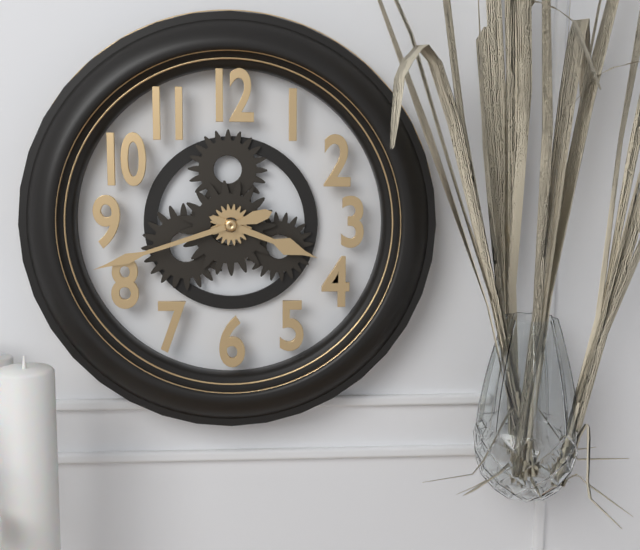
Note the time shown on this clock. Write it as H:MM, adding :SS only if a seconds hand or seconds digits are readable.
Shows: 3:42
